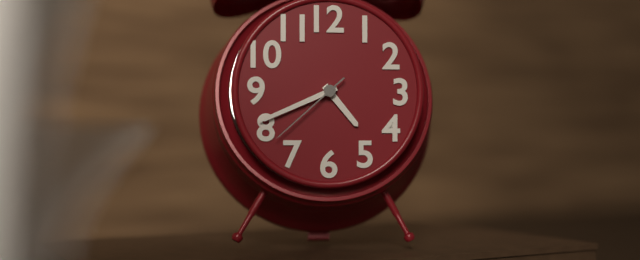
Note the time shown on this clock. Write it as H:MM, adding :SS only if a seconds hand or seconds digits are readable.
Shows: 4:41:38
